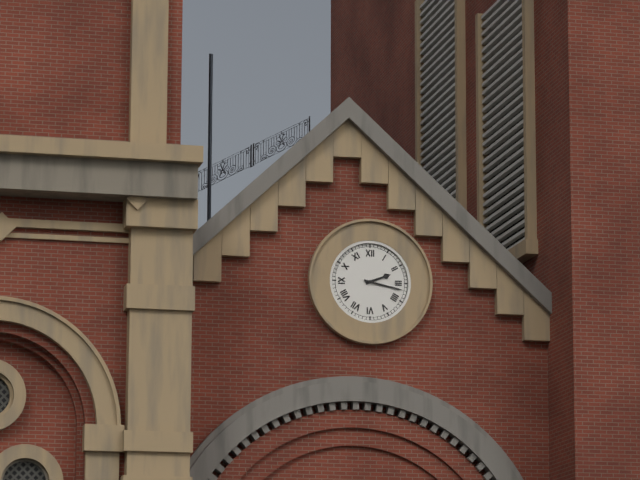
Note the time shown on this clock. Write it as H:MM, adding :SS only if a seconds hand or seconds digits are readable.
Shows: 2:17
